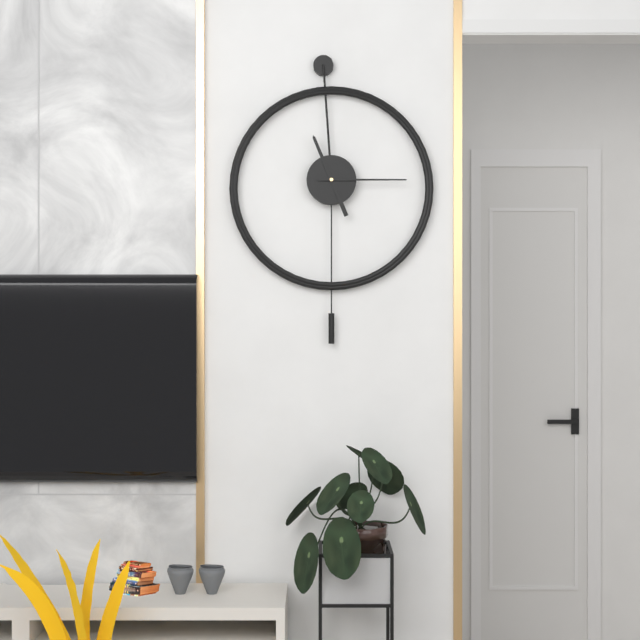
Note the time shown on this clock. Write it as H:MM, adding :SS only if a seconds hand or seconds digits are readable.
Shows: 11:15
